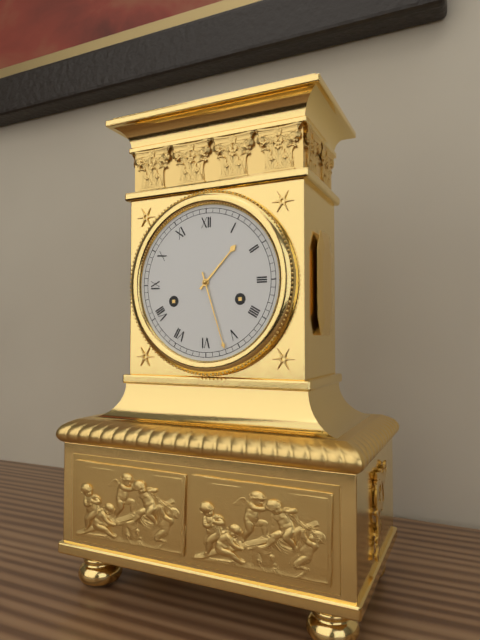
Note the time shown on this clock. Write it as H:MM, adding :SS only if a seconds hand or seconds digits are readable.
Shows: 1:27
